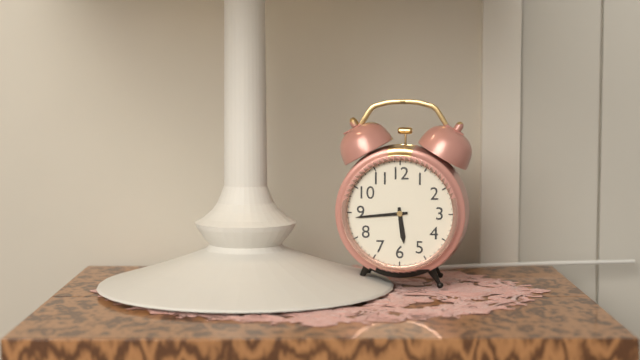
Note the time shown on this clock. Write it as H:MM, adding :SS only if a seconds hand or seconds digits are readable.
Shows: 5:44
